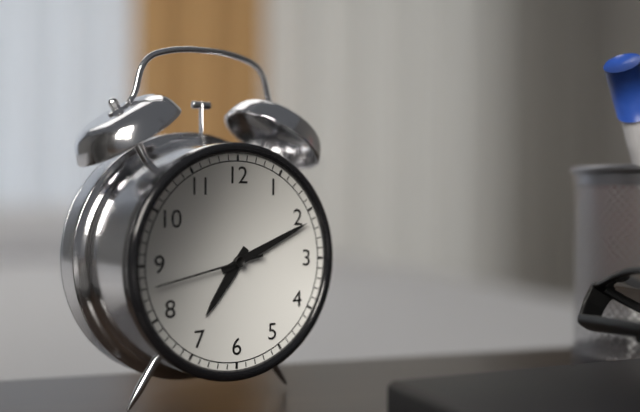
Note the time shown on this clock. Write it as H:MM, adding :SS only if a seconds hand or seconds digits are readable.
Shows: 7:11:43
